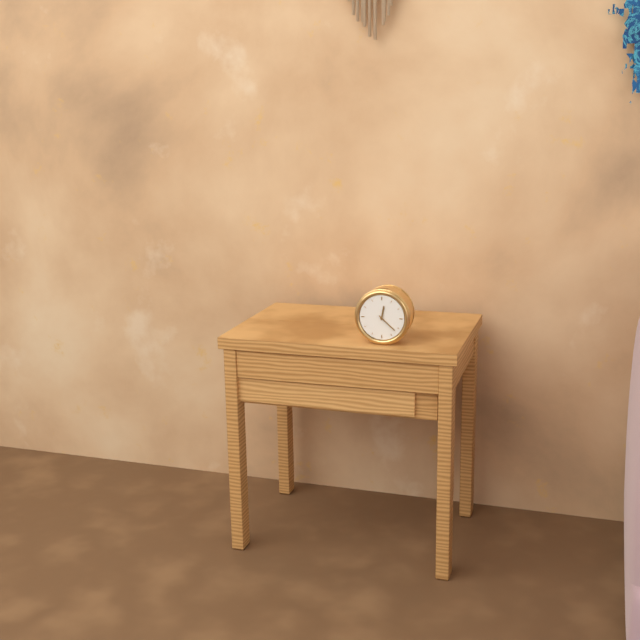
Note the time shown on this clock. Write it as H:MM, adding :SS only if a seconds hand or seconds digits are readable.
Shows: 12:22
